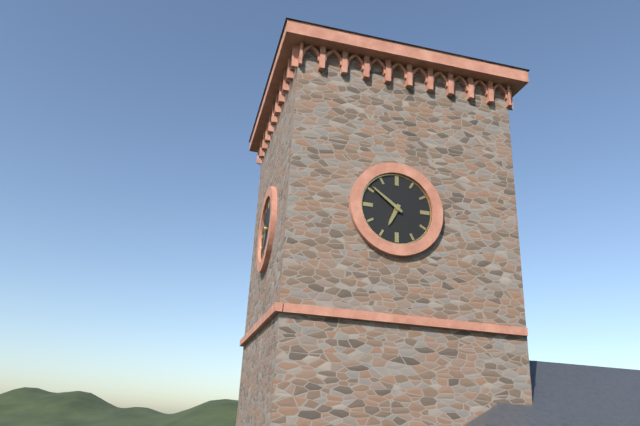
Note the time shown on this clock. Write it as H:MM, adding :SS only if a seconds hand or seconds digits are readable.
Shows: 6:51
